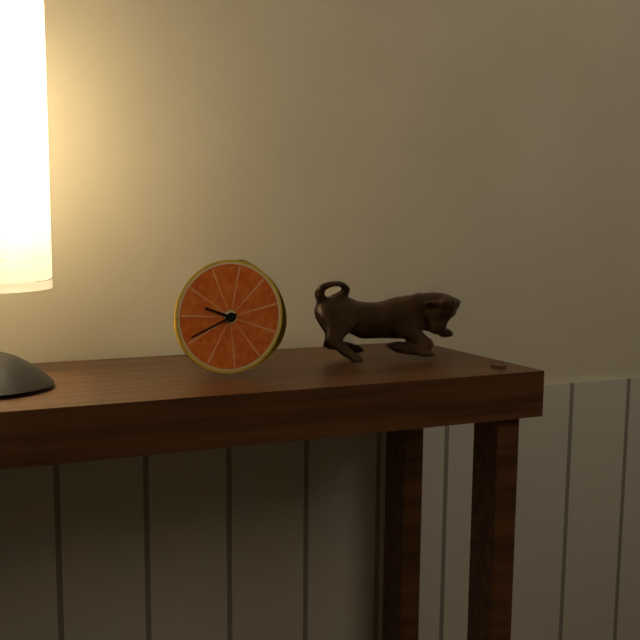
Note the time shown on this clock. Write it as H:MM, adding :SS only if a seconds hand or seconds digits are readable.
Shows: 9:41
